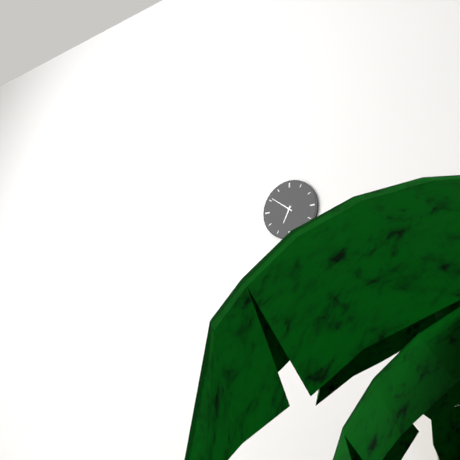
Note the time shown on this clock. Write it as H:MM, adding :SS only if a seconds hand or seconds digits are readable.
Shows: 6:51
